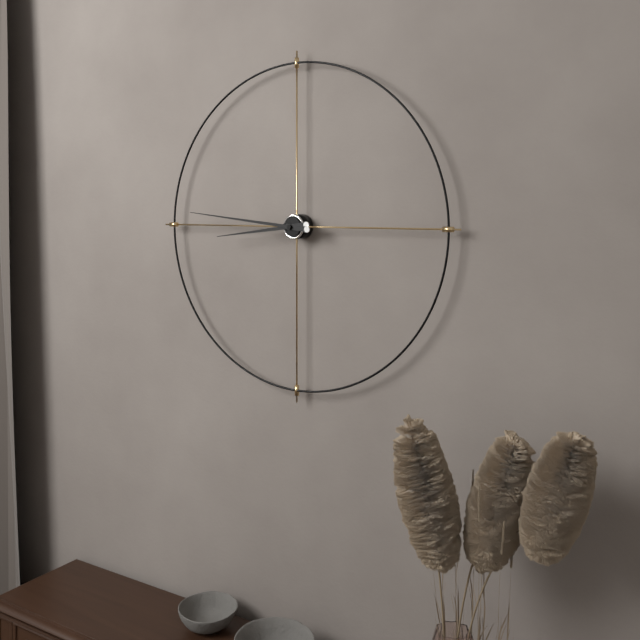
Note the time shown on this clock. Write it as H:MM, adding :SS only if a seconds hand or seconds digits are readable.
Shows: 8:46
